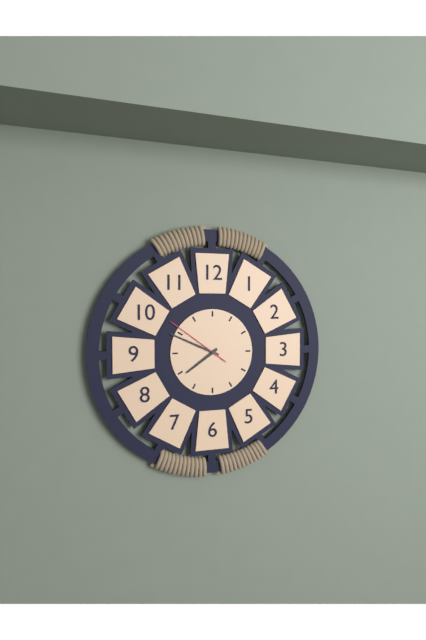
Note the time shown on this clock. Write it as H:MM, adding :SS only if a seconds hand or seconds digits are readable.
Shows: 7:49:51
